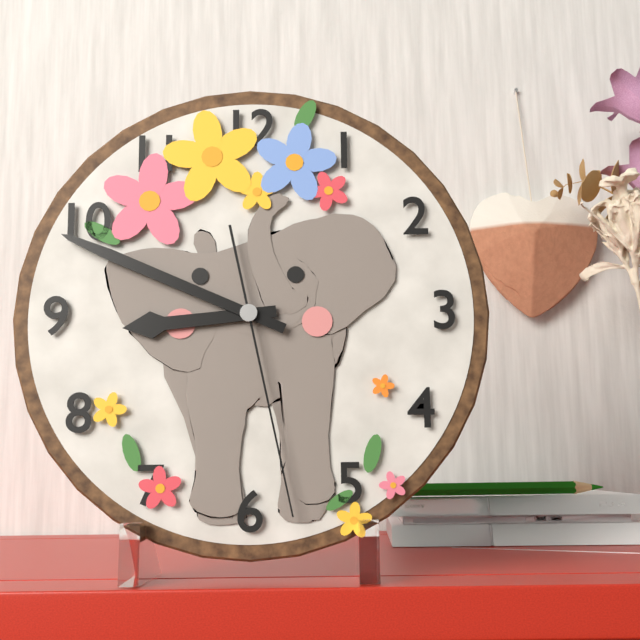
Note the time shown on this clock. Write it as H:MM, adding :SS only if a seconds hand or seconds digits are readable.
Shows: 8:49:28
